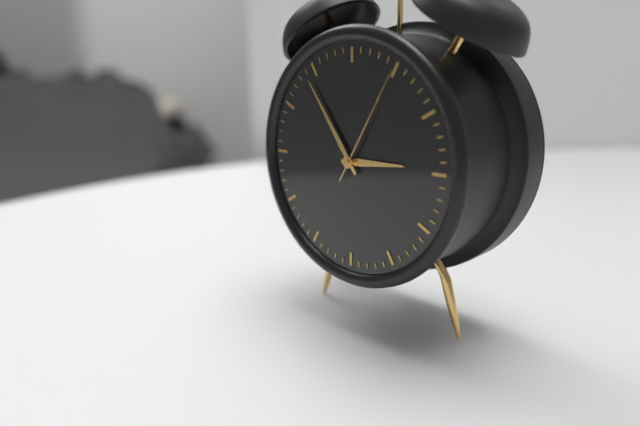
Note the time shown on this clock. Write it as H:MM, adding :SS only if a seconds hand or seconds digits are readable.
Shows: 2:54:05
